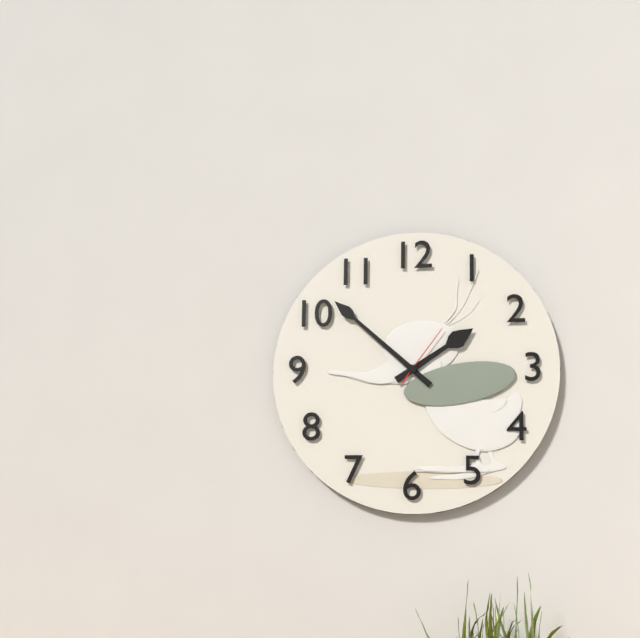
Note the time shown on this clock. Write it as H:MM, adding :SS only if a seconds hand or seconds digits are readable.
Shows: 1:52:06
